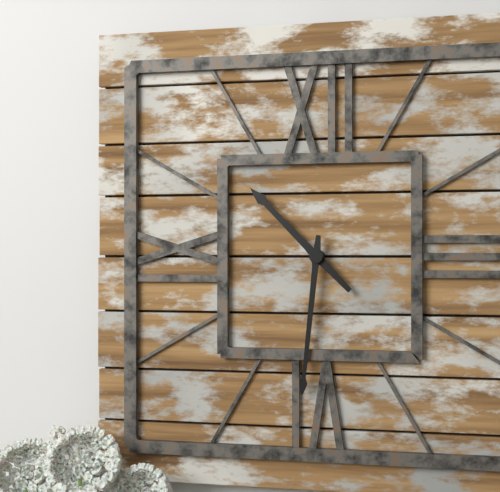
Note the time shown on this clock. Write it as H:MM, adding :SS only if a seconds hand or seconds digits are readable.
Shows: 10:31
